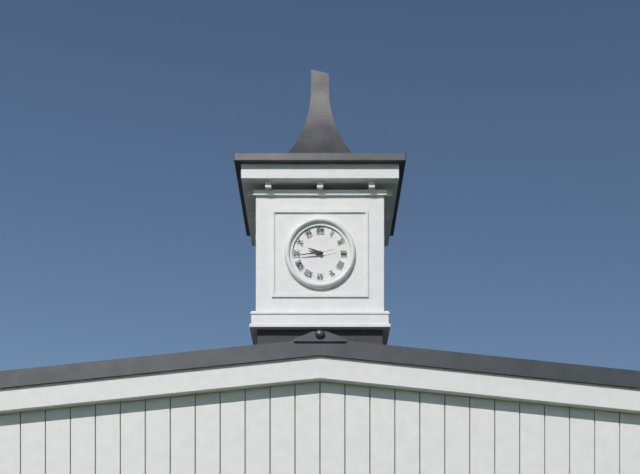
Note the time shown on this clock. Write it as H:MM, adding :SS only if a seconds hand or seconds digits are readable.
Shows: 9:44
